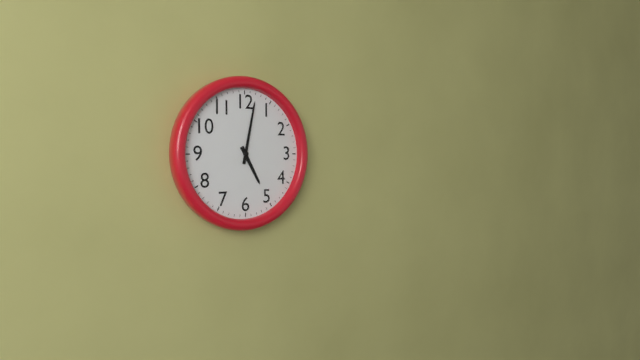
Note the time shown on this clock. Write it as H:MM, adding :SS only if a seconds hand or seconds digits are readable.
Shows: 5:02
